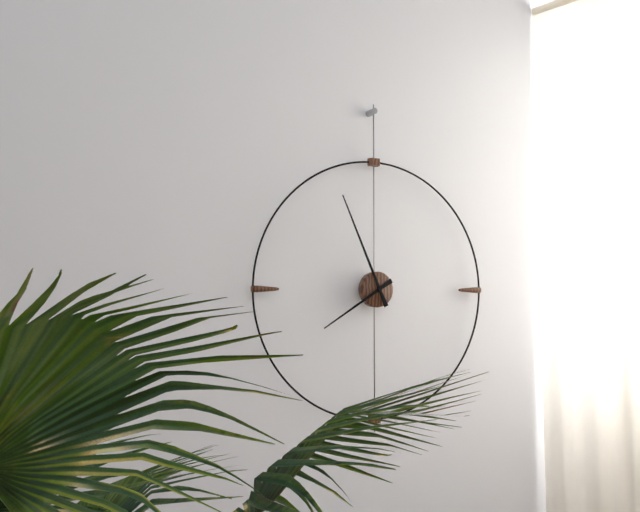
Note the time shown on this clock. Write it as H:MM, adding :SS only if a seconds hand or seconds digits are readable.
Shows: 7:56
